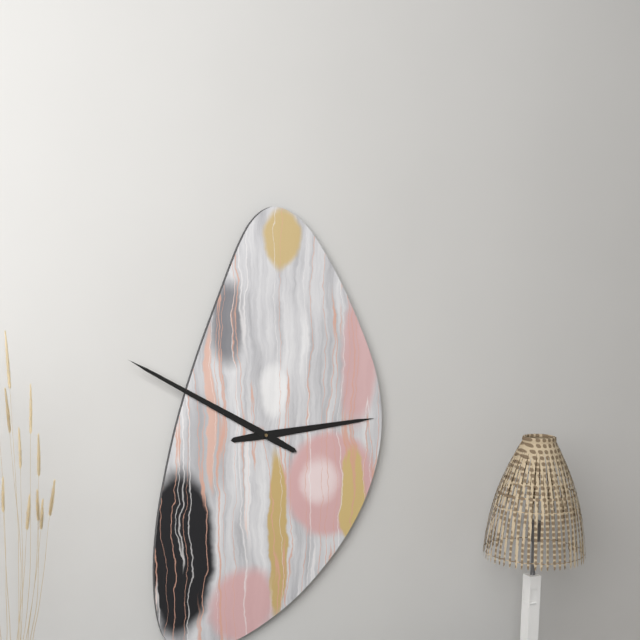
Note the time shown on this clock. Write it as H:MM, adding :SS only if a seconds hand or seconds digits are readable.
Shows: 2:50
